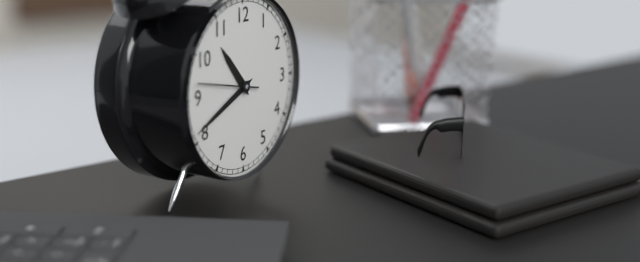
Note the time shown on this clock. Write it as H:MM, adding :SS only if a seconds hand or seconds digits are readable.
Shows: 10:41:47
